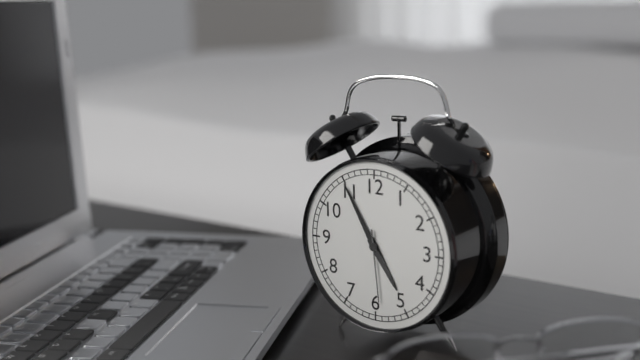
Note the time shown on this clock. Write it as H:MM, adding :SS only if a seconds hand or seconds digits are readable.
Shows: 4:55:29
